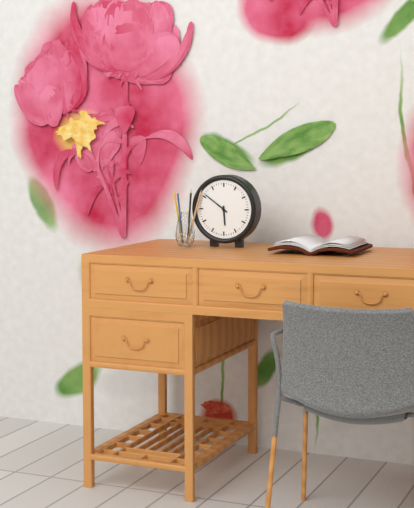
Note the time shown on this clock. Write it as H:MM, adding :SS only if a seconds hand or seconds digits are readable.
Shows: 5:51
